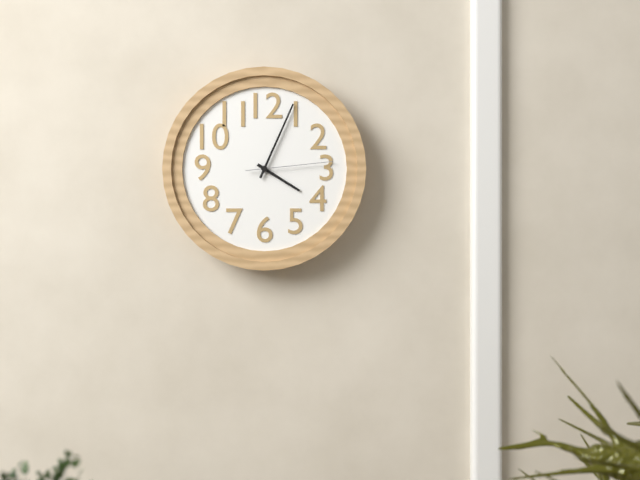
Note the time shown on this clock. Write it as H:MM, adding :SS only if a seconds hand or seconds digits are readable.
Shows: 4:04:14
